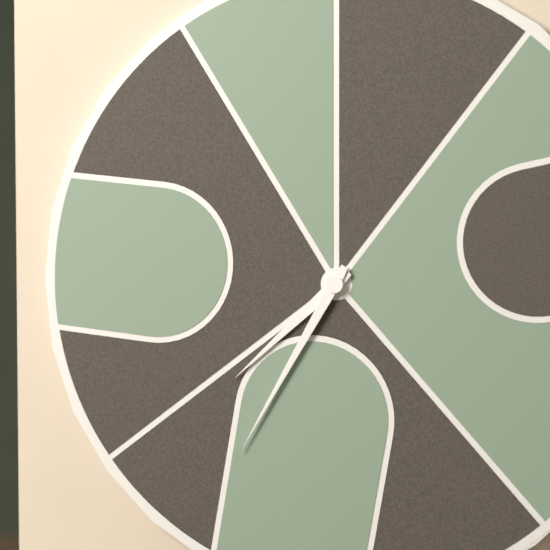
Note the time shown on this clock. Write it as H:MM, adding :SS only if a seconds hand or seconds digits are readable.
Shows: 7:35
